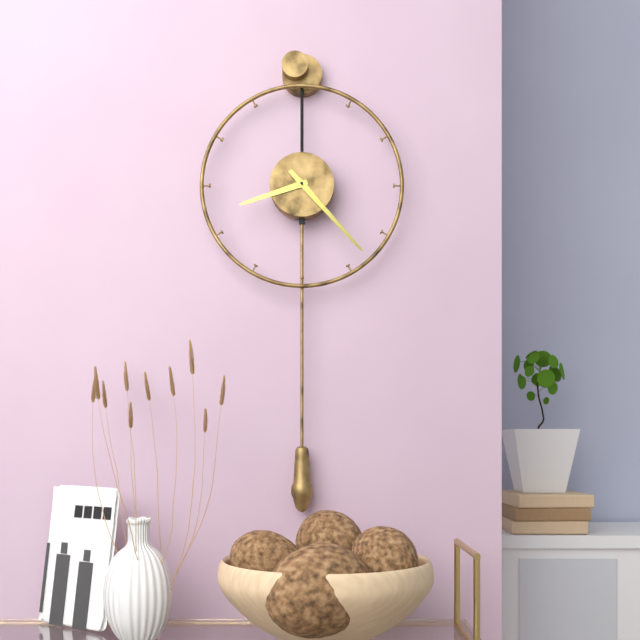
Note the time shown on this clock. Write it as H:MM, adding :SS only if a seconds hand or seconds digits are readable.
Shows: 8:23
